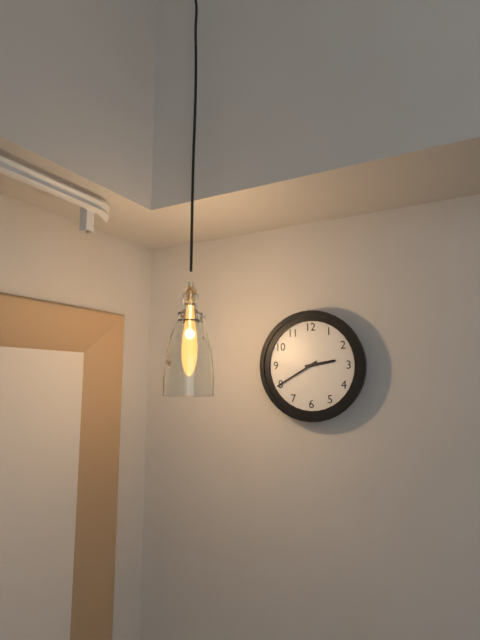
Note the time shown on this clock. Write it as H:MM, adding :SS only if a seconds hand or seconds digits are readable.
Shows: 2:40
